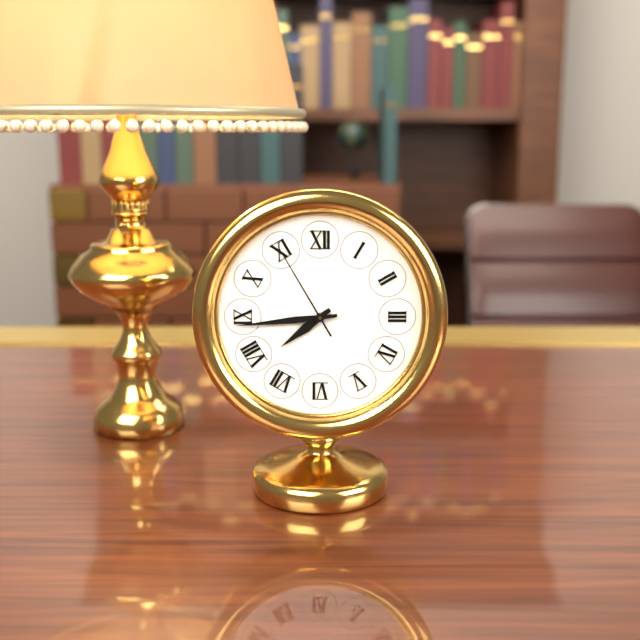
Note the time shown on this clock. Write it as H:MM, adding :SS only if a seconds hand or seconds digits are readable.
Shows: 7:44:55
